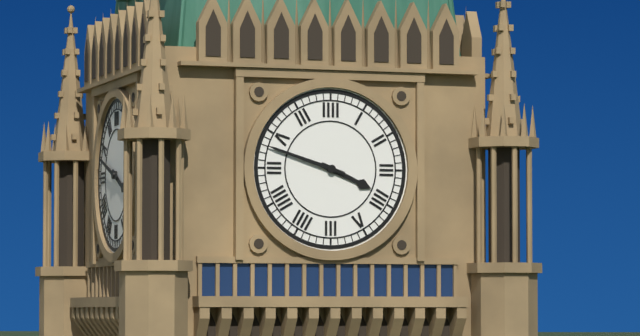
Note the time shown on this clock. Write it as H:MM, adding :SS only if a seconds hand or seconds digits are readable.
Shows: 3:48
